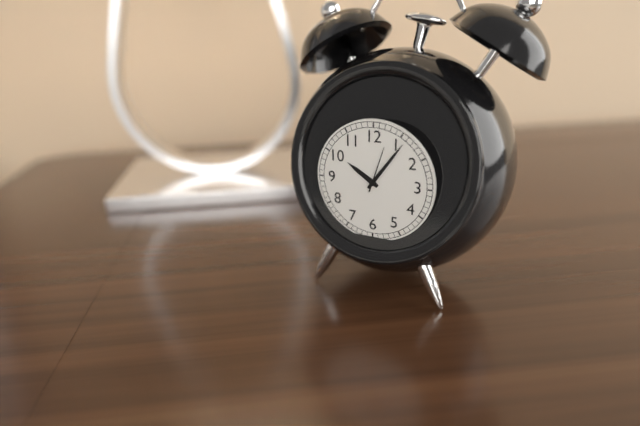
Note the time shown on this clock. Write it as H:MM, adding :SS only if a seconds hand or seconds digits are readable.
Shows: 10:06
